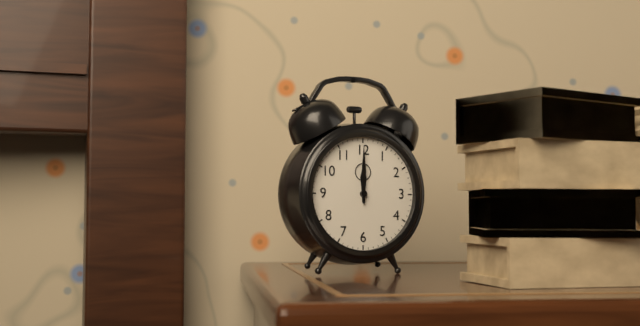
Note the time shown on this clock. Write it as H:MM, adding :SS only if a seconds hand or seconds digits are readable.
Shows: 12:00
